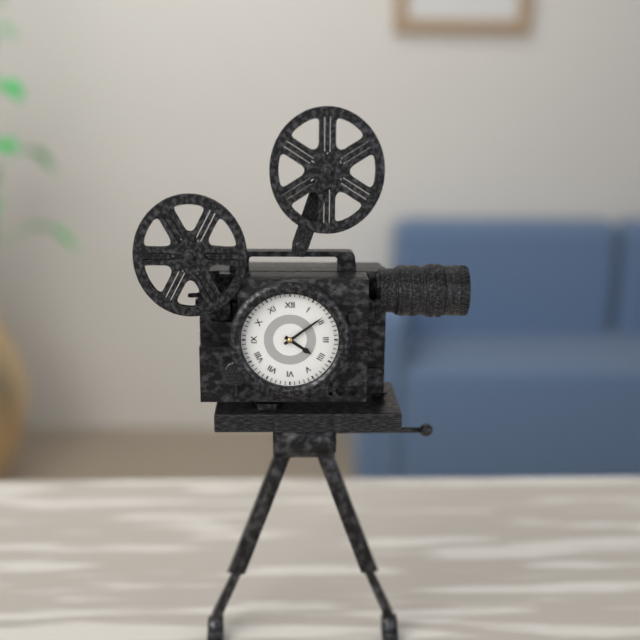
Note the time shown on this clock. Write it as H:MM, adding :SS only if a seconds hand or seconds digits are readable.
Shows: 4:09
